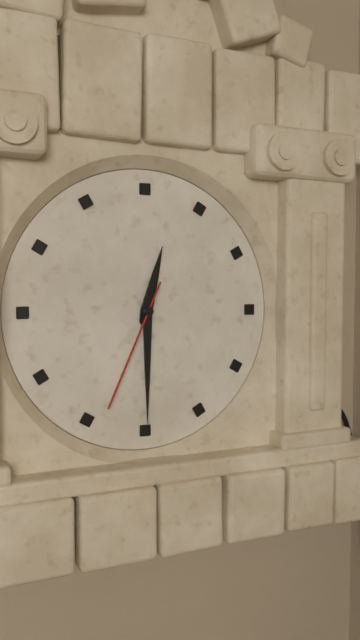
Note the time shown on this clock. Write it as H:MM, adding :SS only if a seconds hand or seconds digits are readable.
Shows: 12:30:34
